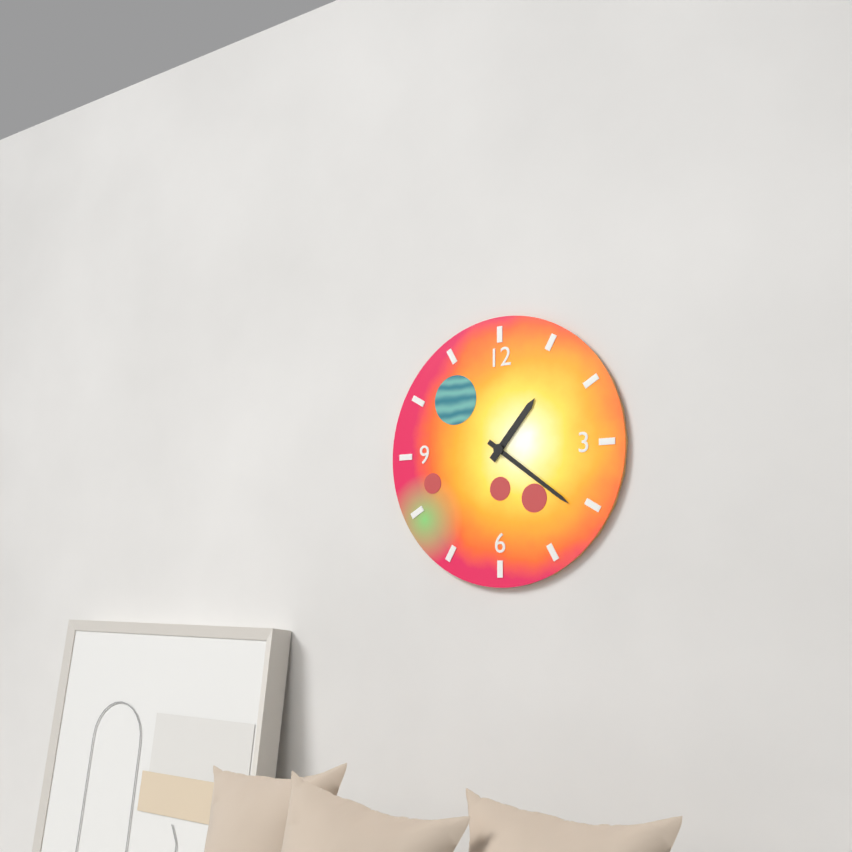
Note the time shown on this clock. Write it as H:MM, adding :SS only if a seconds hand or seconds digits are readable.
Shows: 1:21
